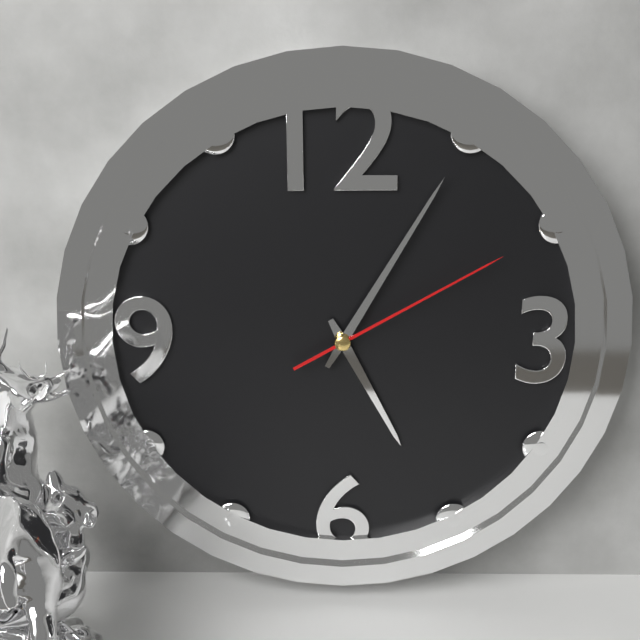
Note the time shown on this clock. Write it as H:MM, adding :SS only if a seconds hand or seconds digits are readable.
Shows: 5:05:10
